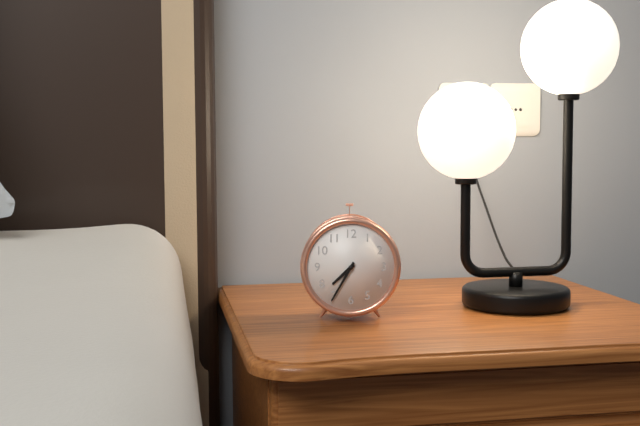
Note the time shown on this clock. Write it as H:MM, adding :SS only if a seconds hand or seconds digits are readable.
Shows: 7:35
